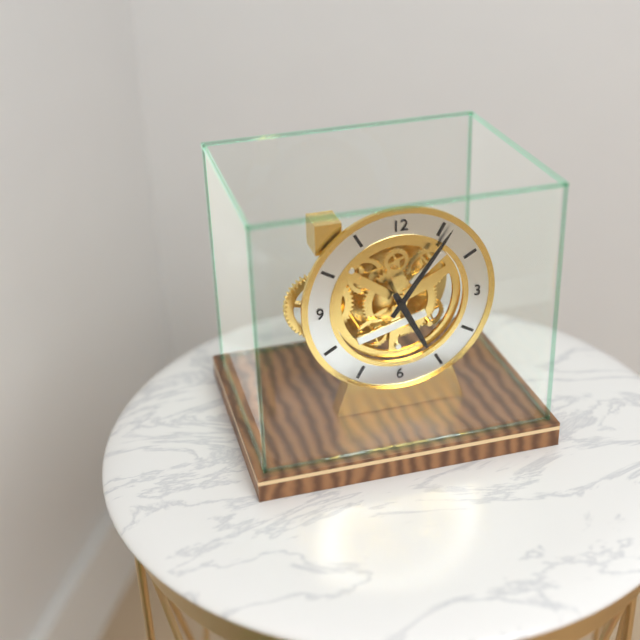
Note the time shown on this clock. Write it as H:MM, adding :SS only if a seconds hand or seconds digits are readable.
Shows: 5:06
